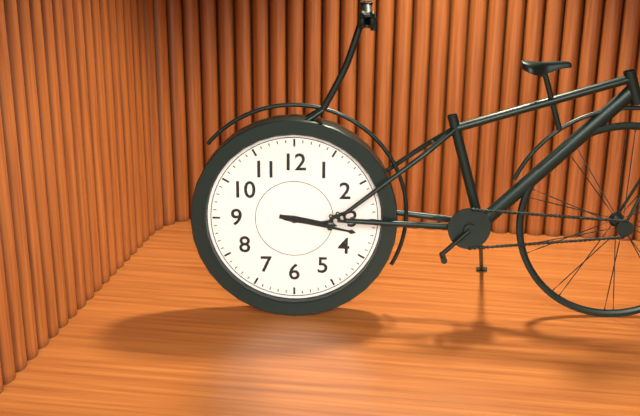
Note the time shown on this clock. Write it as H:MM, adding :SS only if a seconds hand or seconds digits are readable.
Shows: 3:17
